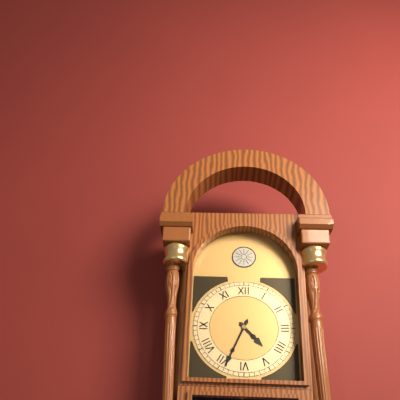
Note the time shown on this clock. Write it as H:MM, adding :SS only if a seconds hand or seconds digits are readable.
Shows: 4:34
